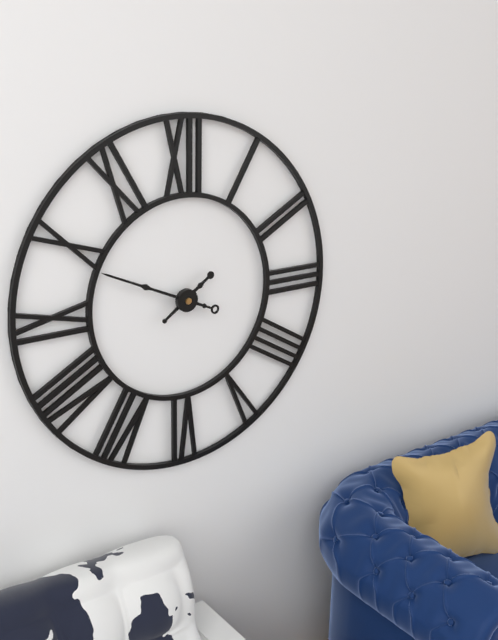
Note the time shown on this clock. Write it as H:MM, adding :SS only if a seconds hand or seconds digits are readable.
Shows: 1:49
